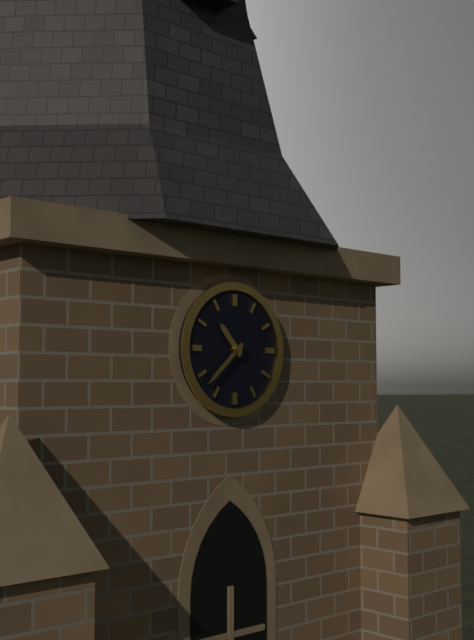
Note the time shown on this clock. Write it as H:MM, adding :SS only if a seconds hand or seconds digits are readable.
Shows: 10:38
